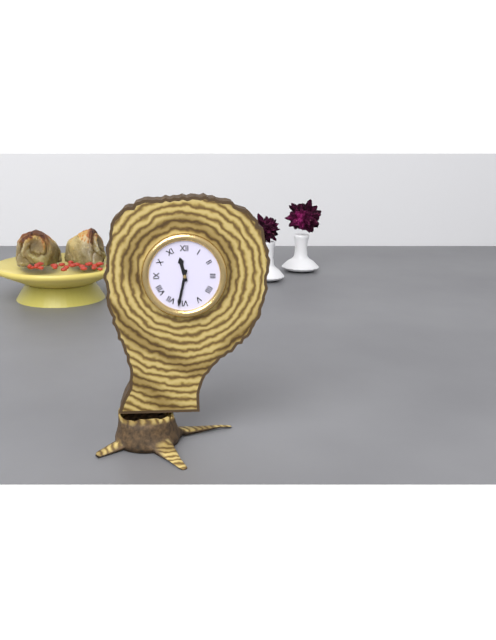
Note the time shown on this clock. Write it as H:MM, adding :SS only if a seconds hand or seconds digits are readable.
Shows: 11:32
